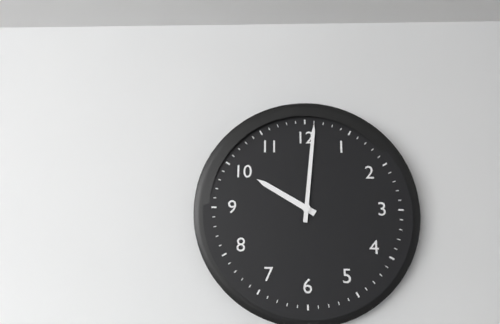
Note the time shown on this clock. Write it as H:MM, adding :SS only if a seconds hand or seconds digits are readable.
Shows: 10:01
